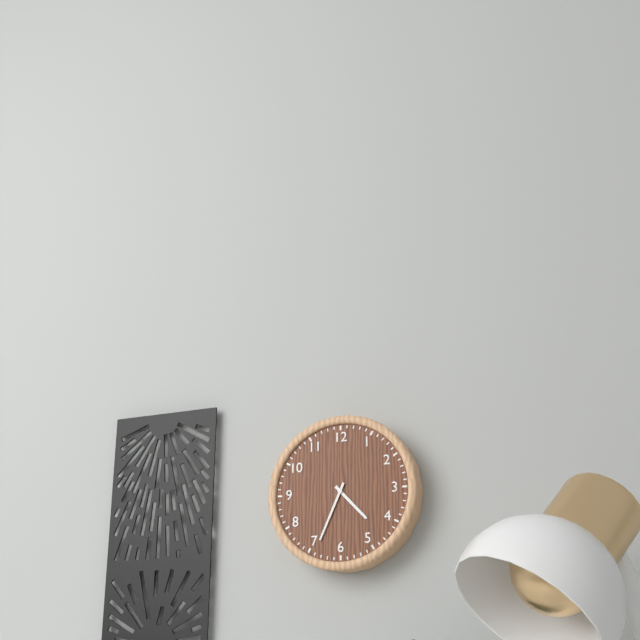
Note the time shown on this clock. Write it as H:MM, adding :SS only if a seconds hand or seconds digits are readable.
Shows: 4:34
